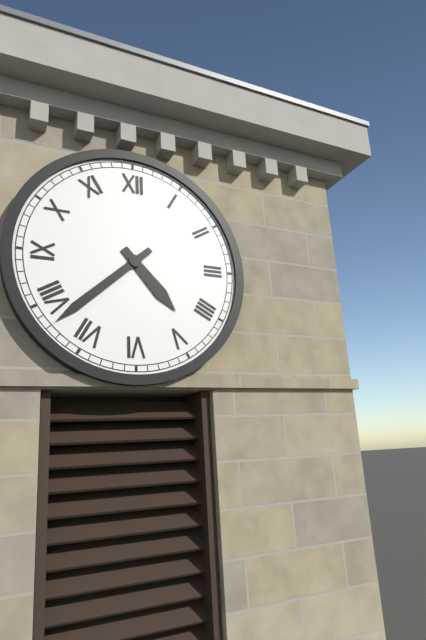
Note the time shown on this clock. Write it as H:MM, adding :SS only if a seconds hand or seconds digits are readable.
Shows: 4:38
